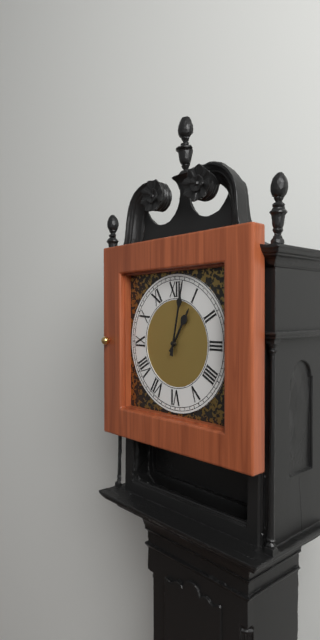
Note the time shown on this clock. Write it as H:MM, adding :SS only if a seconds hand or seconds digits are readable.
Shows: 1:02
